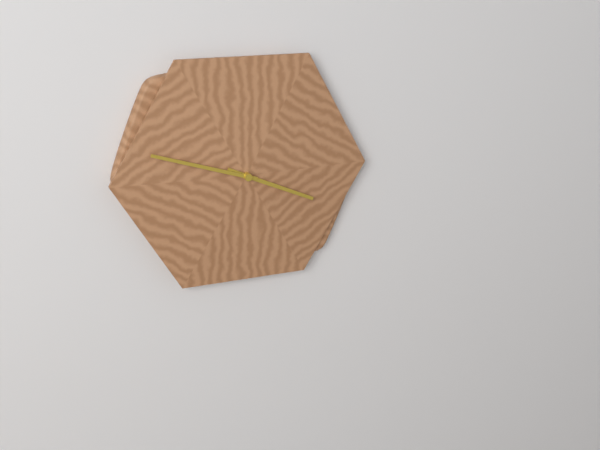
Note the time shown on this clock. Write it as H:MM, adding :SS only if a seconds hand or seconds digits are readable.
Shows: 3:48
